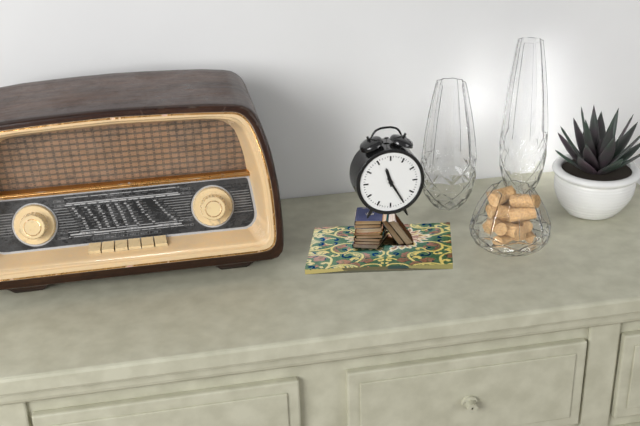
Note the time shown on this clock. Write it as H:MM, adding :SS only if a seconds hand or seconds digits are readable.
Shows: 11:25
